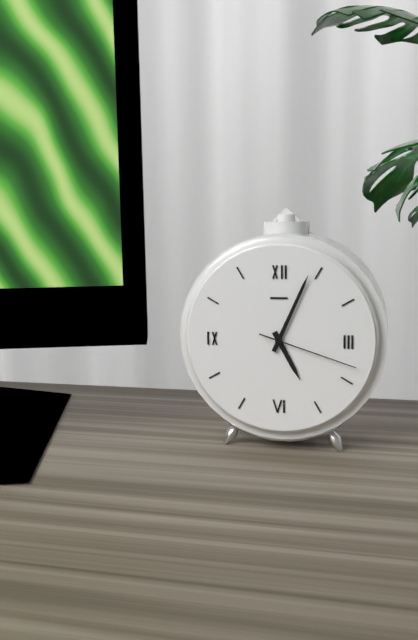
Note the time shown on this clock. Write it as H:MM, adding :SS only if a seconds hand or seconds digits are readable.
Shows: 5:04:18
